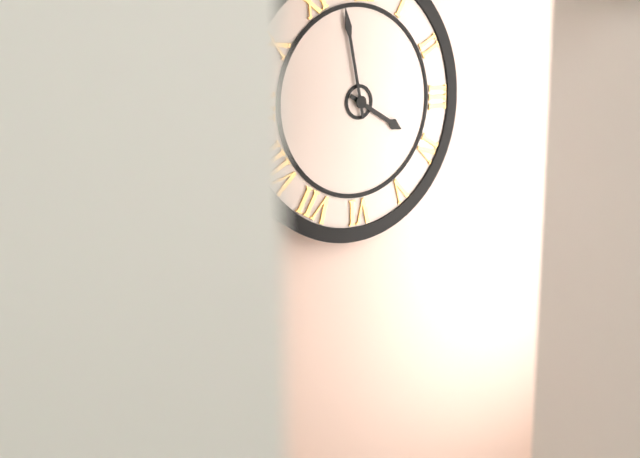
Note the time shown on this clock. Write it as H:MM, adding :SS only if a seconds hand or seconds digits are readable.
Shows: 3:58
